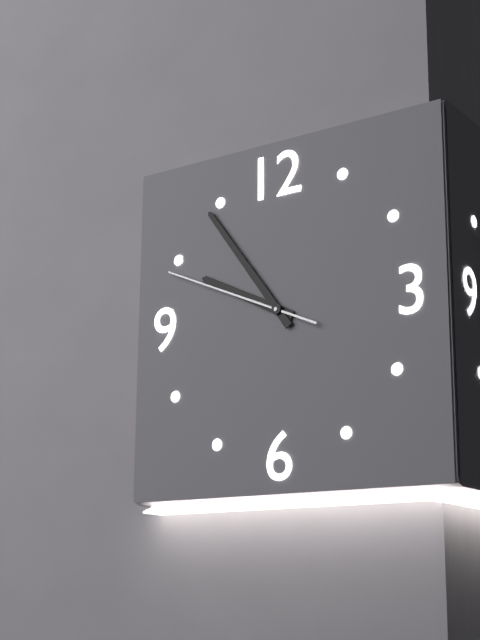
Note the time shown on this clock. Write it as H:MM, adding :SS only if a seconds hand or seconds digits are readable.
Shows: 9:54:49
